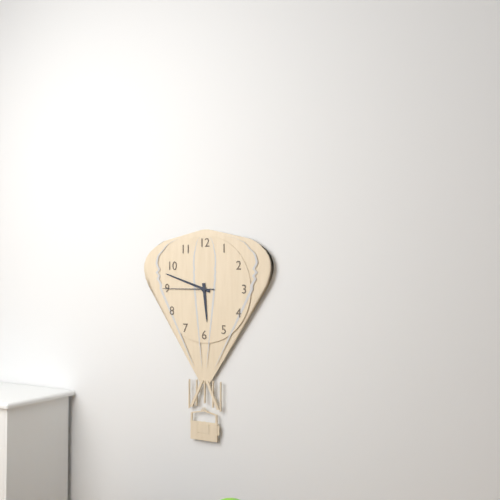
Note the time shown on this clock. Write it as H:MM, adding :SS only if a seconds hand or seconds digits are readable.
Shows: 5:48:45
